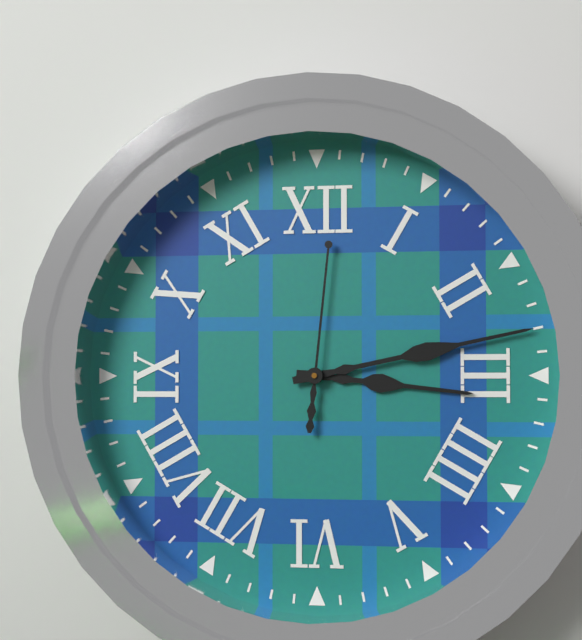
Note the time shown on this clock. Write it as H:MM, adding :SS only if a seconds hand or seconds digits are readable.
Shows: 3:13:01
